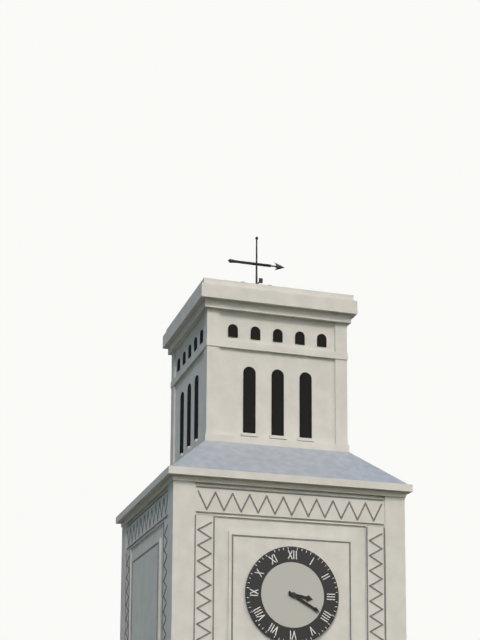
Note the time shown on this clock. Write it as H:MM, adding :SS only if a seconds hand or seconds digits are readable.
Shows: 3:20
